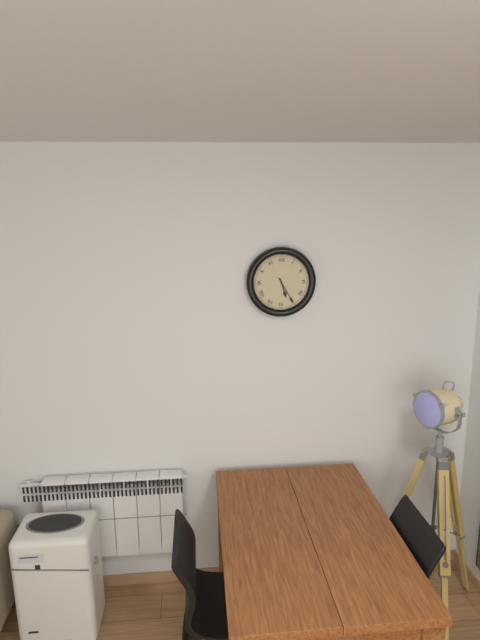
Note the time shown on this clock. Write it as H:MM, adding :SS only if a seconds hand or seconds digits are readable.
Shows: 5:25
